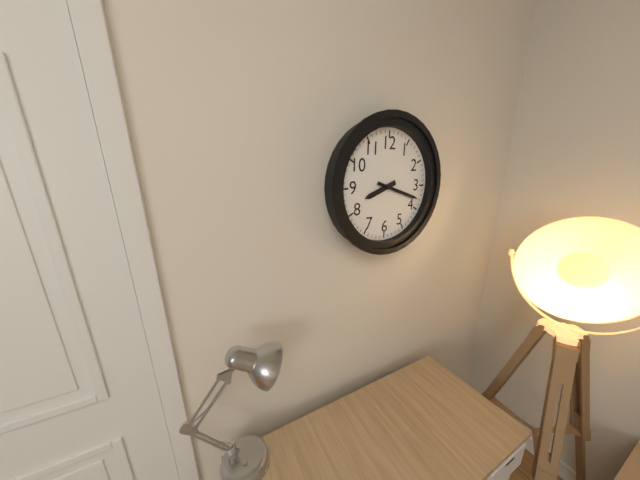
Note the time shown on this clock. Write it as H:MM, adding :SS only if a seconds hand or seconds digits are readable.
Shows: 8:18
